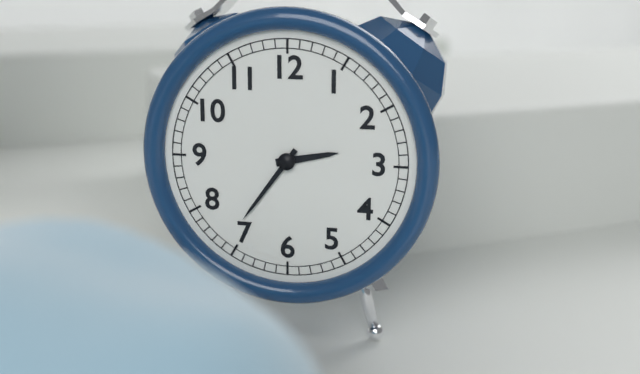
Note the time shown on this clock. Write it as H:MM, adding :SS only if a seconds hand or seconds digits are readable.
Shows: 2:36
